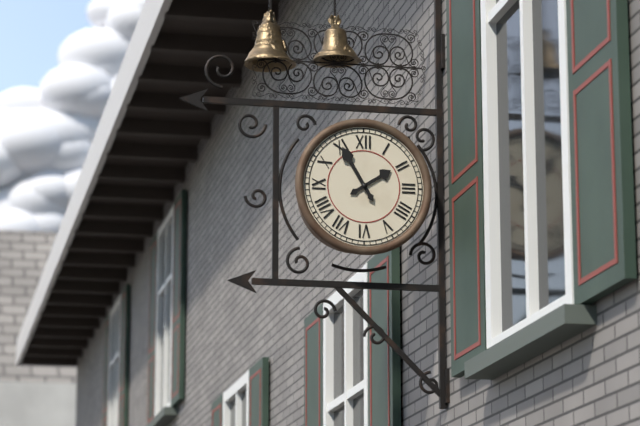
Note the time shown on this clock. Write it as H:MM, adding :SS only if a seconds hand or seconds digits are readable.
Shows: 1:55
